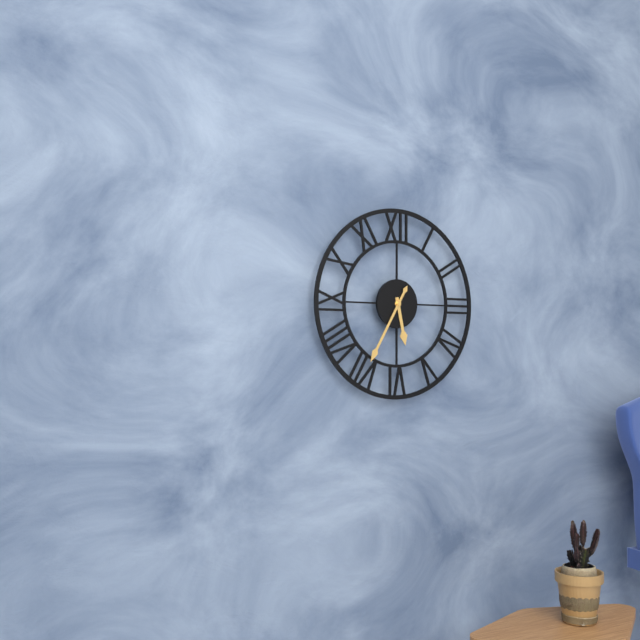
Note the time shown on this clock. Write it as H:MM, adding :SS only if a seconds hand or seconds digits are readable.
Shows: 5:35
